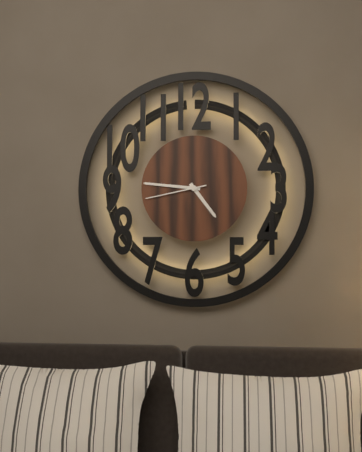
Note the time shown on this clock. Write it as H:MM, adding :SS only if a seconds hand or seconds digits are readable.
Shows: 4:46:43
